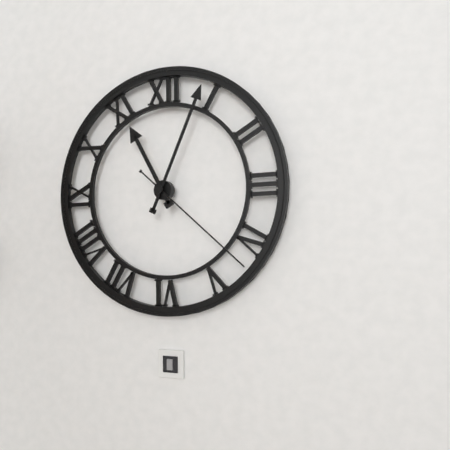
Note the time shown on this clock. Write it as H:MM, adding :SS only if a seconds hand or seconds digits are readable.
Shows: 11:04:22
